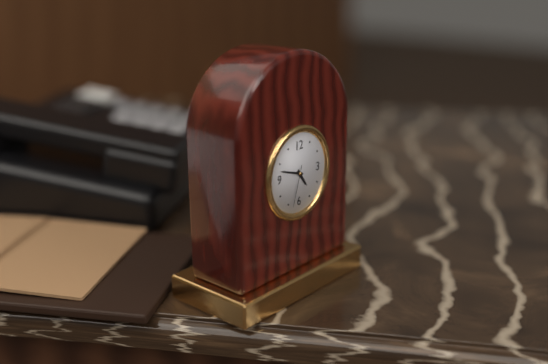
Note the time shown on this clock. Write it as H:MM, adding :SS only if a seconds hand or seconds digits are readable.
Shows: 4:48
